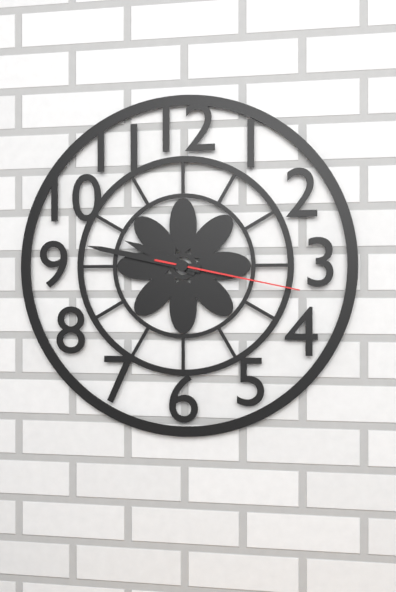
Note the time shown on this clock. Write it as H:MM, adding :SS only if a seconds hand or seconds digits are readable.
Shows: 9:47:17
